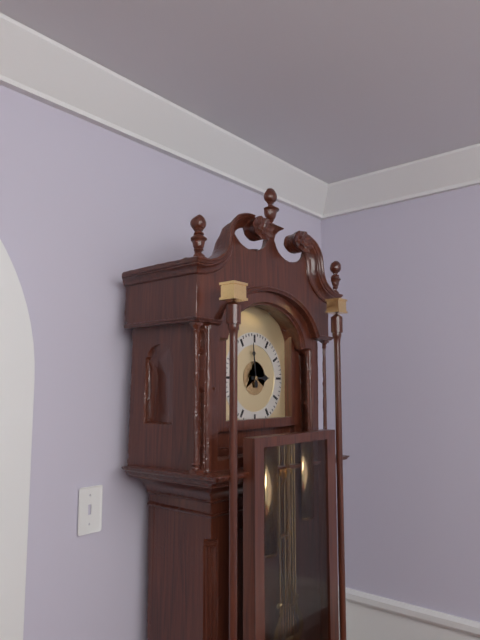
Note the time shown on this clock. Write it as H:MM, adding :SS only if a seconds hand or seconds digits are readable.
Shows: 2:59
